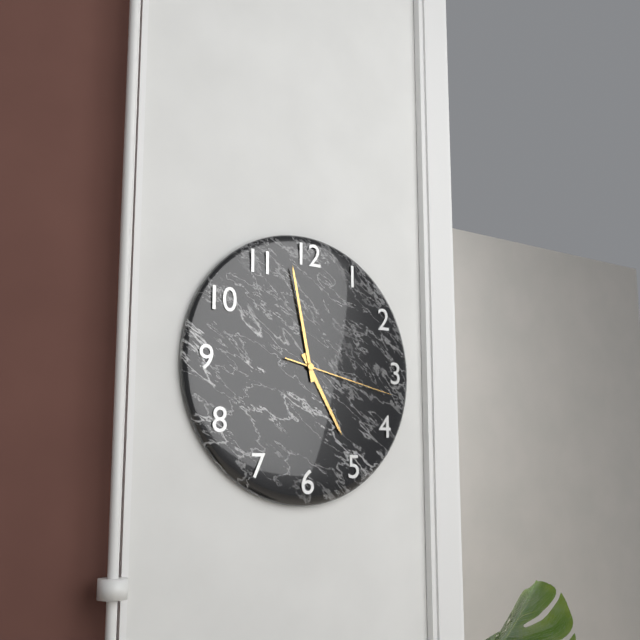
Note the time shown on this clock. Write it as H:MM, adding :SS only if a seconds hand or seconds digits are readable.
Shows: 4:58:17
